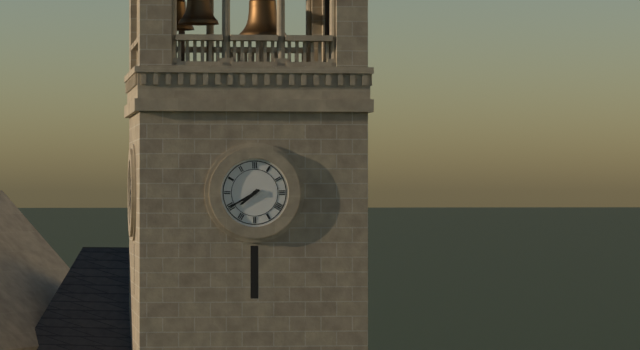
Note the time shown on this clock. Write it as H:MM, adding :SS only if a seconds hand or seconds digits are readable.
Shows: 7:40
